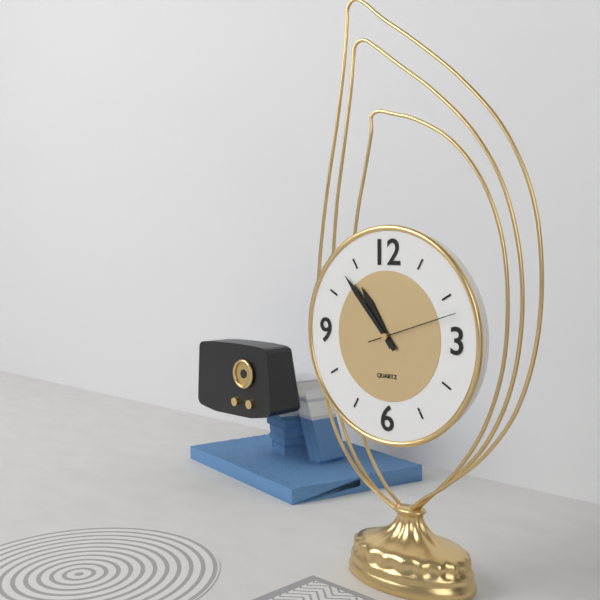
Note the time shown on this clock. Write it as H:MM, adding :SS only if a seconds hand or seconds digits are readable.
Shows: 10:53:12
